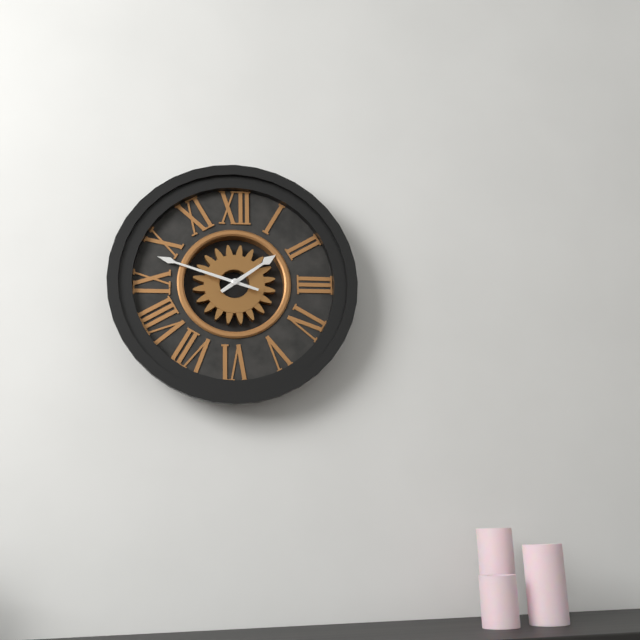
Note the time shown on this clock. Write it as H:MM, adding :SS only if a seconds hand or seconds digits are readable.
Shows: 1:48
